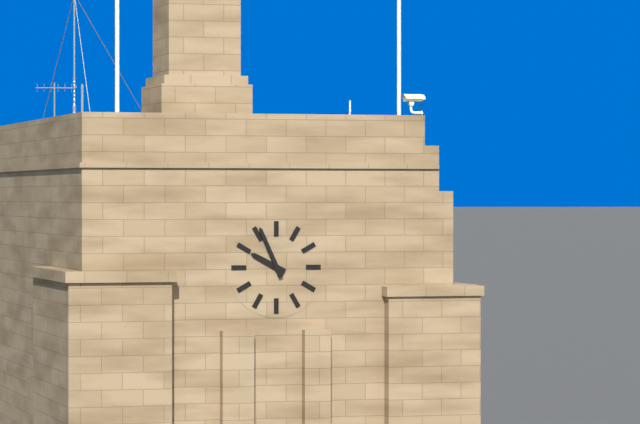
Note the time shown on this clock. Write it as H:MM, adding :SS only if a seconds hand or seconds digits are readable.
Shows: 9:56
